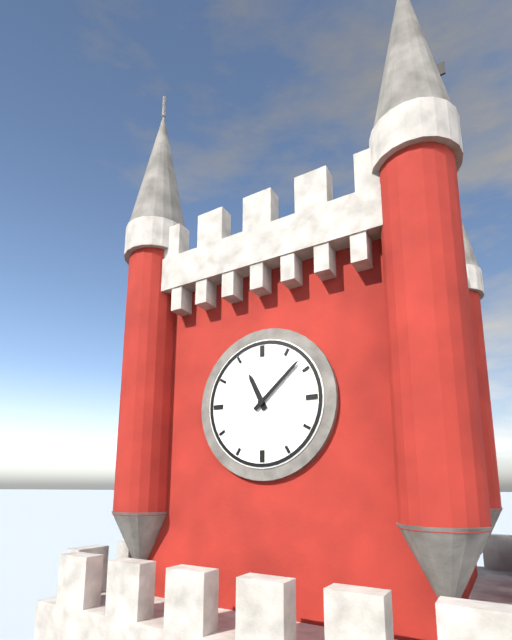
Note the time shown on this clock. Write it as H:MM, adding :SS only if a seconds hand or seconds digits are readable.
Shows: 11:08
